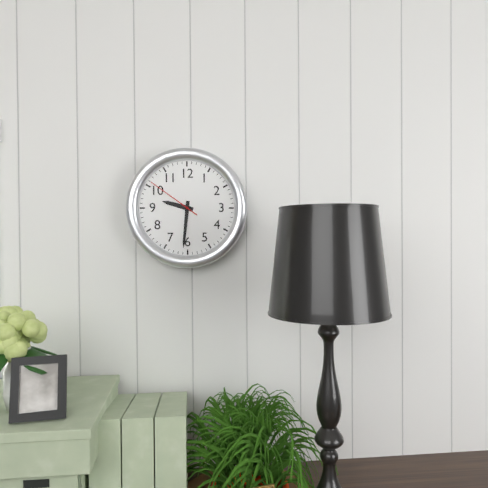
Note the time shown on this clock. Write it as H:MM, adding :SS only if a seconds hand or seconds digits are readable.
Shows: 9:31:51
